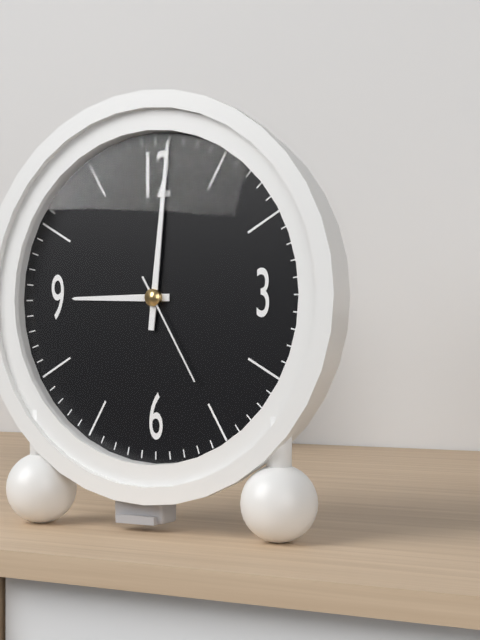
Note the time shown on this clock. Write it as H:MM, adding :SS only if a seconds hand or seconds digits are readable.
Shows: 9:01:25
